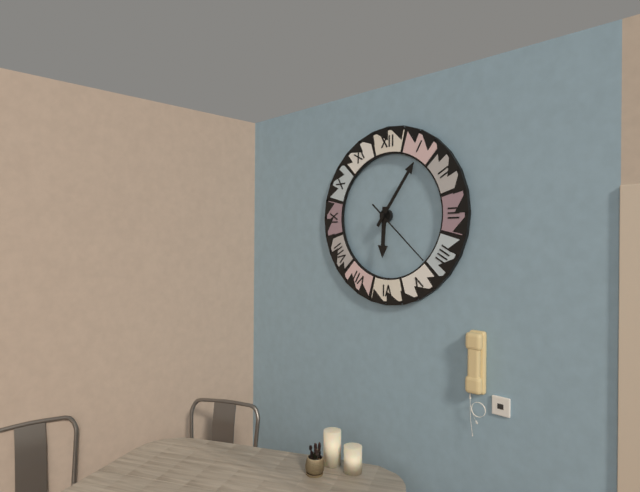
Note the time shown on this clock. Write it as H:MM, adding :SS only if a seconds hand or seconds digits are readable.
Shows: 6:06:22
